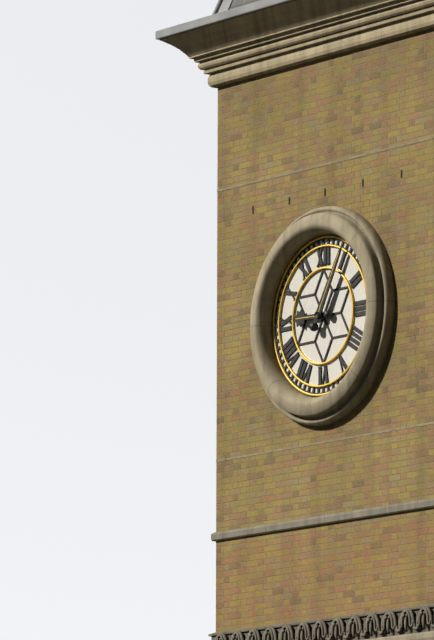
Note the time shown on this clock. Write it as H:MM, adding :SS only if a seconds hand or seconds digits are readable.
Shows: 9:05
